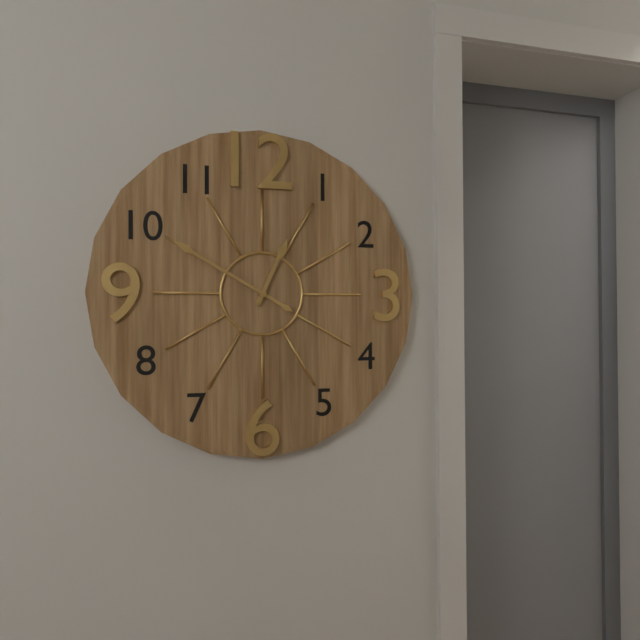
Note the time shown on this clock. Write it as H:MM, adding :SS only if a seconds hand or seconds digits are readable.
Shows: 12:50
